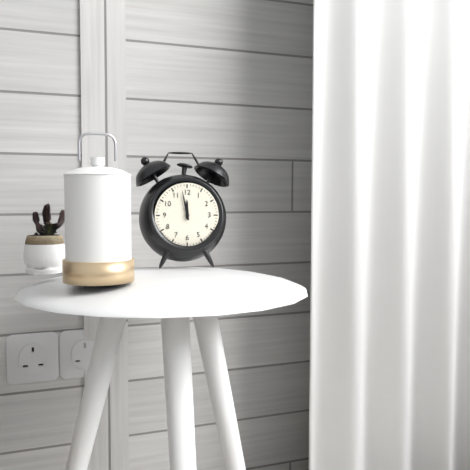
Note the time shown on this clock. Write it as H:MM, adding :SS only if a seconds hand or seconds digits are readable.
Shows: 11:58
